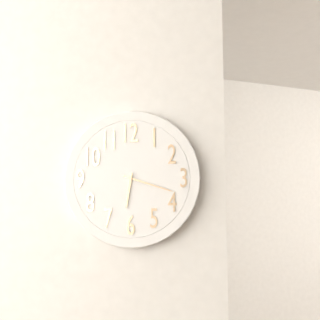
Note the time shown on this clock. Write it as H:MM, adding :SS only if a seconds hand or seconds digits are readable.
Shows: 6:18
